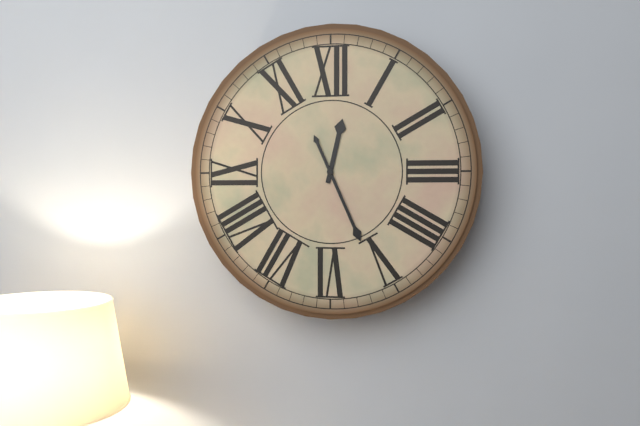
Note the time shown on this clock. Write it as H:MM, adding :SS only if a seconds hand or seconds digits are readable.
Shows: 12:26
